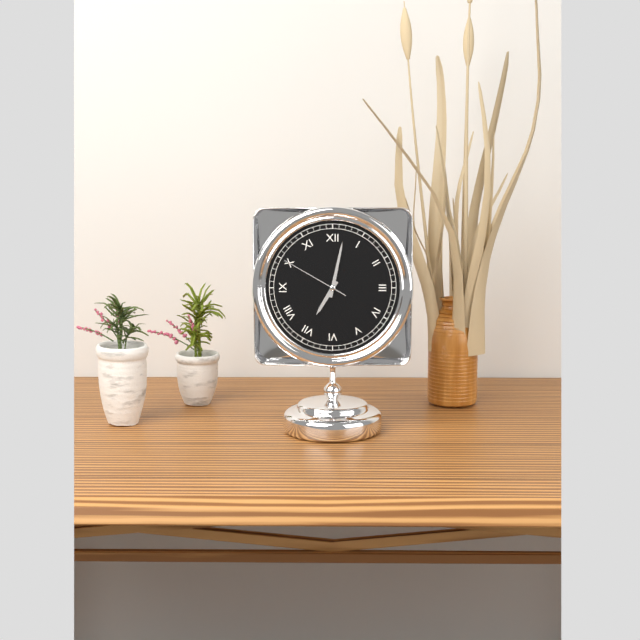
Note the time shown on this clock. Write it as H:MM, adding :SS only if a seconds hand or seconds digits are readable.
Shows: 7:02:50
